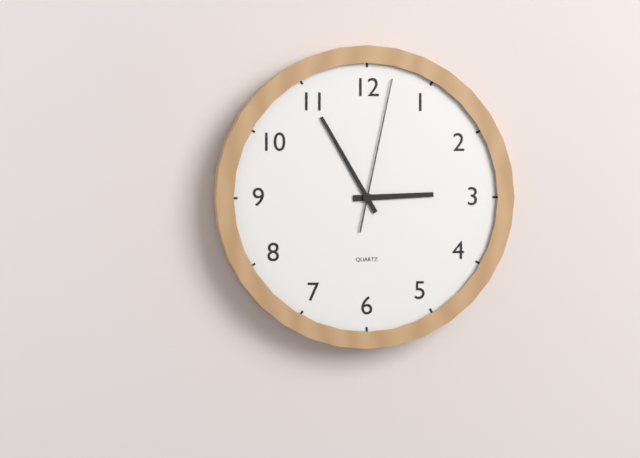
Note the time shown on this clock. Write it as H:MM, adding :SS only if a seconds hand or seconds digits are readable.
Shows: 2:55:02
